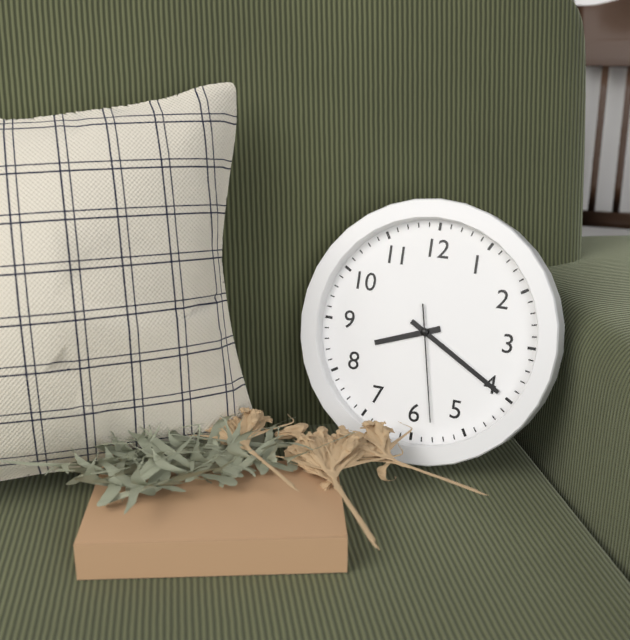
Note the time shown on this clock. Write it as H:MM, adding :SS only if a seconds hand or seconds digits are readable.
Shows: 8:20:28
